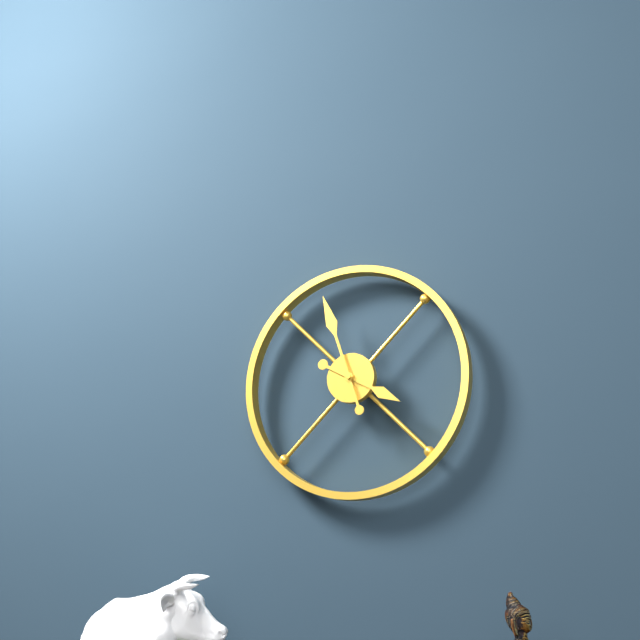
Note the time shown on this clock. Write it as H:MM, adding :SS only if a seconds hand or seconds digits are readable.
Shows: 3:57
